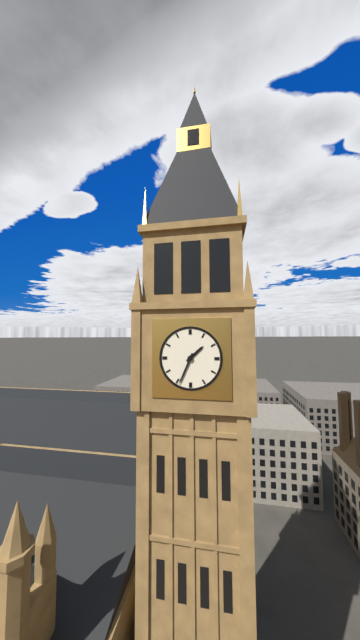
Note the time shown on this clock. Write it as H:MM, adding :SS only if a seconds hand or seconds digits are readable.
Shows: 1:34
